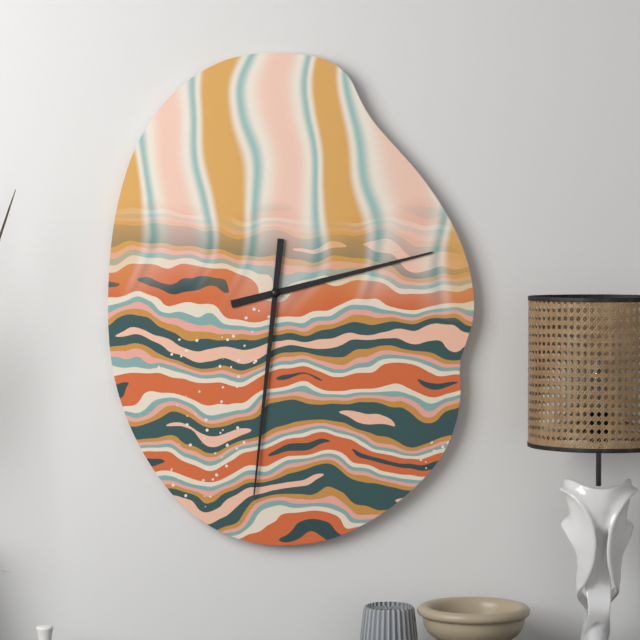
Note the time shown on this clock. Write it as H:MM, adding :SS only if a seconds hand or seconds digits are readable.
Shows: 2:31
